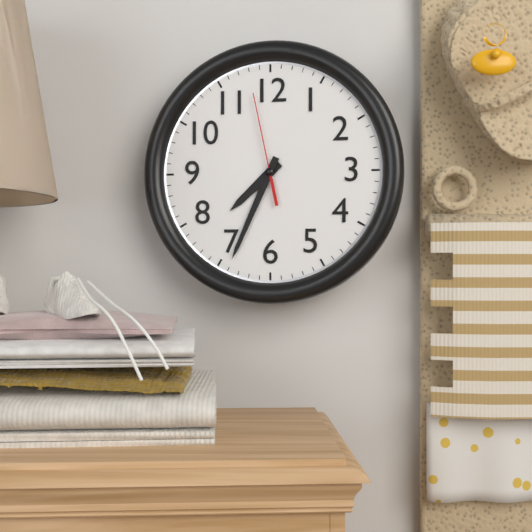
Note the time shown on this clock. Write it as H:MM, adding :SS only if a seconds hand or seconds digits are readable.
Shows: 7:34:58
